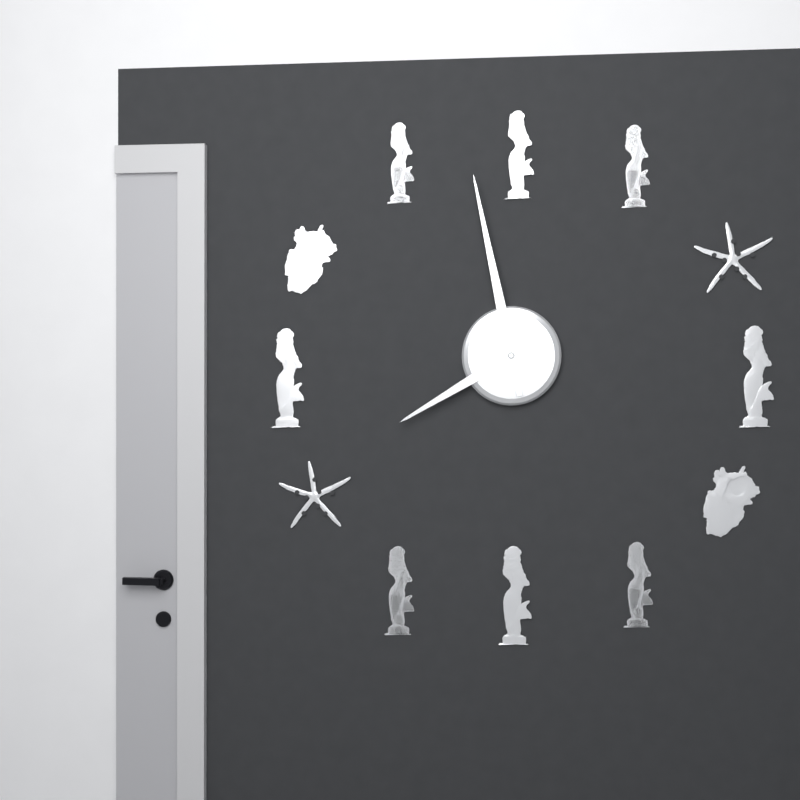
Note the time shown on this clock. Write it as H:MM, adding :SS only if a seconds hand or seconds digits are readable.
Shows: 7:58
